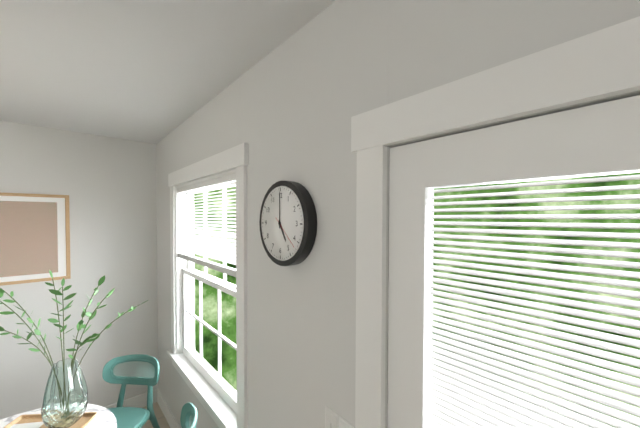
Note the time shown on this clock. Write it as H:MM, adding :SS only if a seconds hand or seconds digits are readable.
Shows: 5:00
